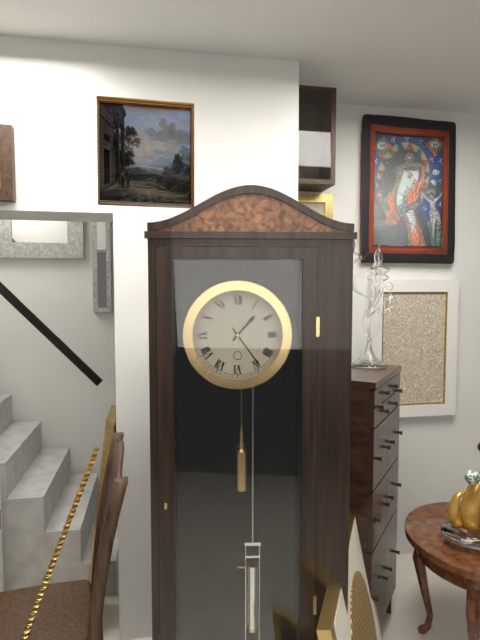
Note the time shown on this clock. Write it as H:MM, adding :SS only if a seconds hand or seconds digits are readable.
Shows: 1:24
